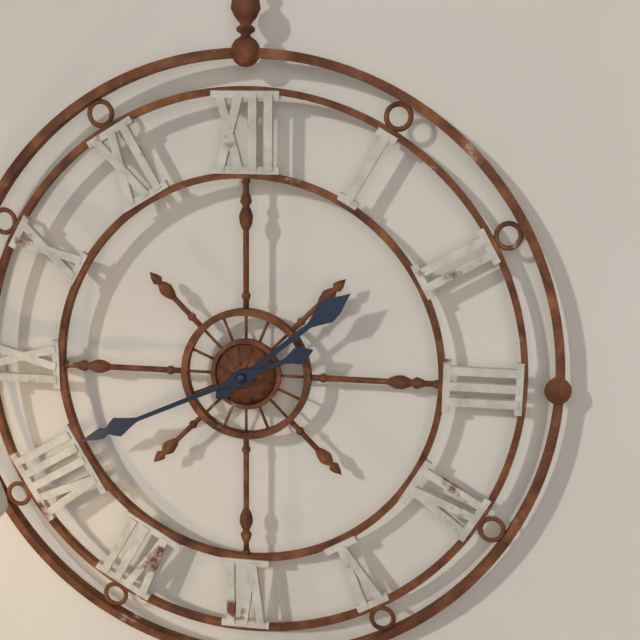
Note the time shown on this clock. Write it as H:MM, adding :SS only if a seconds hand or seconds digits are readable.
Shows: 1:41
